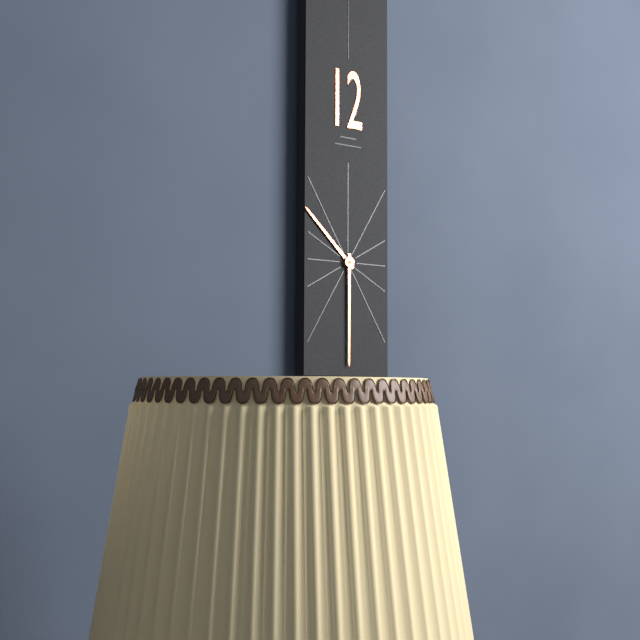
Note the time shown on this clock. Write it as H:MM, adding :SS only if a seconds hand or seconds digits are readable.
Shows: 10:30
